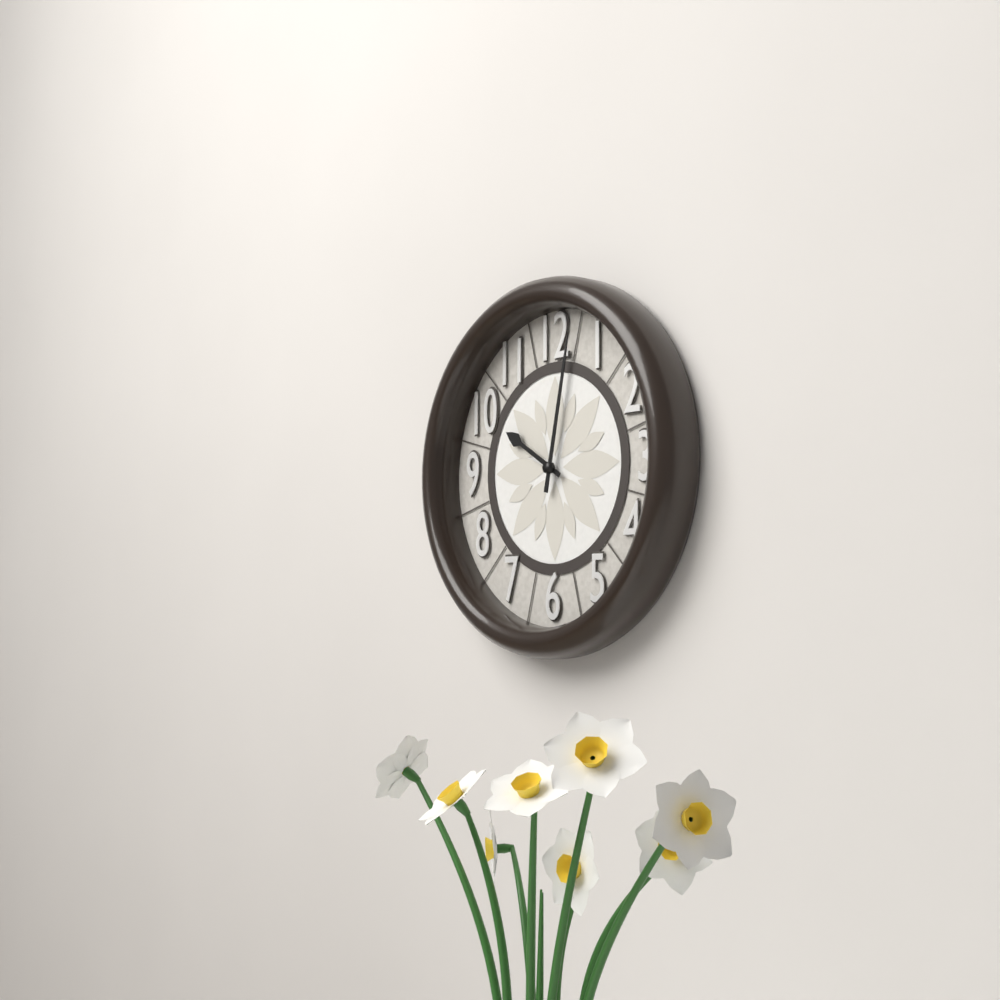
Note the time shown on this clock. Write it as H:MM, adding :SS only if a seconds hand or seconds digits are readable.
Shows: 10:02
